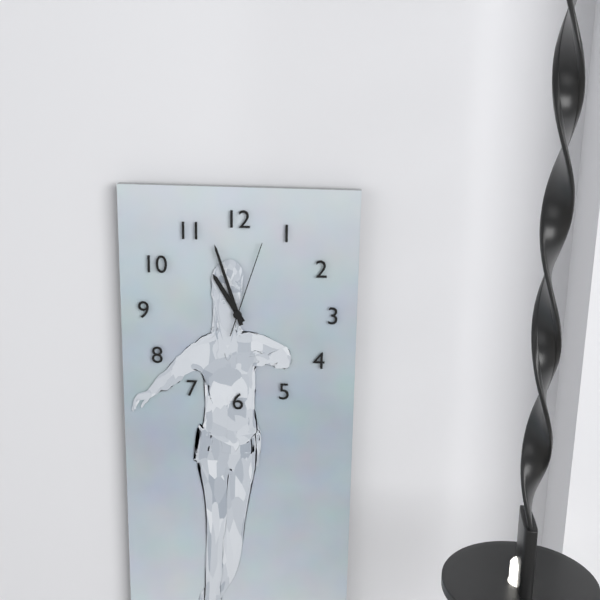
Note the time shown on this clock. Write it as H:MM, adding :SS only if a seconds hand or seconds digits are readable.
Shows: 10:57:03
